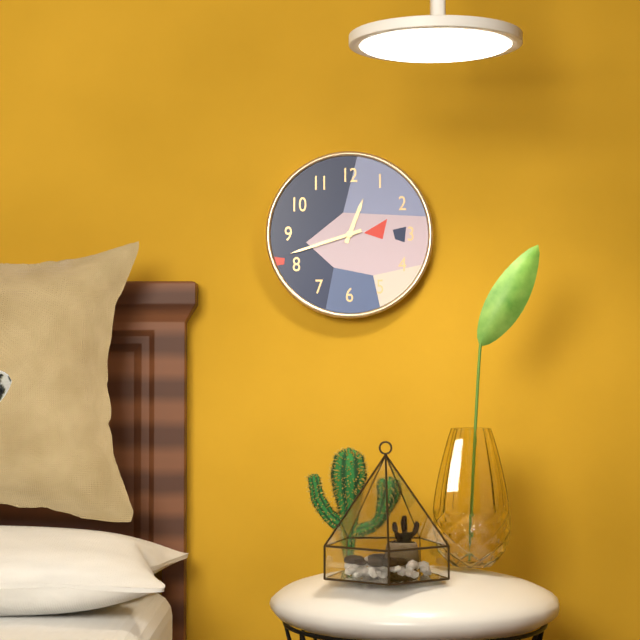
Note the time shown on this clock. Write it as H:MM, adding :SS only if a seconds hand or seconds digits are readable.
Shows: 12:42
